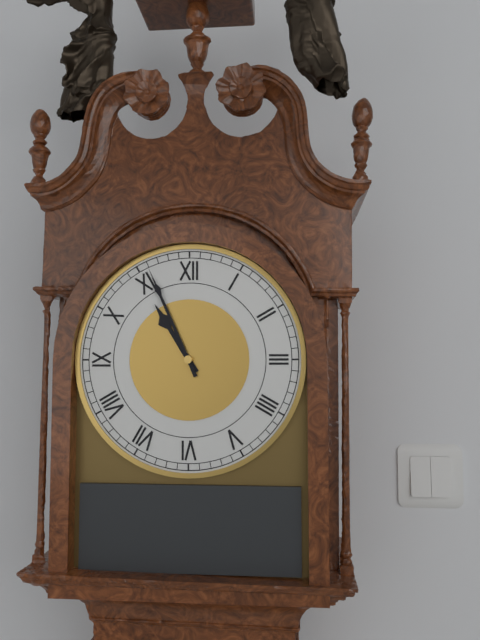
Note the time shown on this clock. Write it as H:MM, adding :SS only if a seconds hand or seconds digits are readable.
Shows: 10:56
